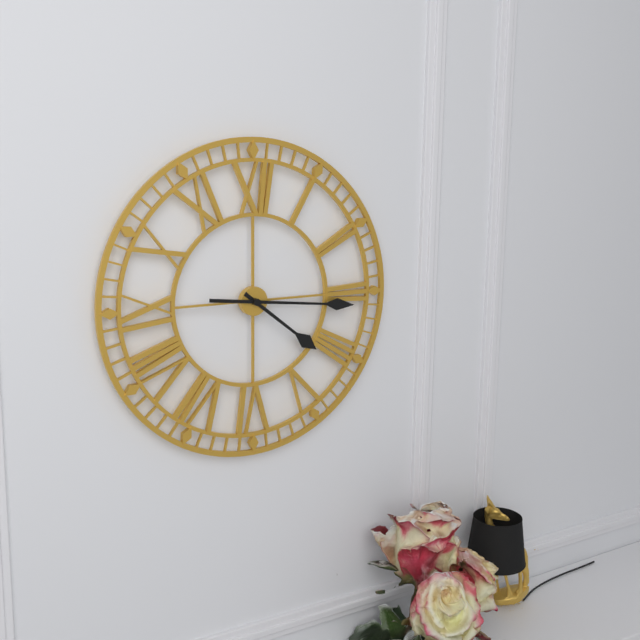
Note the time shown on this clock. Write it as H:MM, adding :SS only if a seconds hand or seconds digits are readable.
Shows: 4:16
